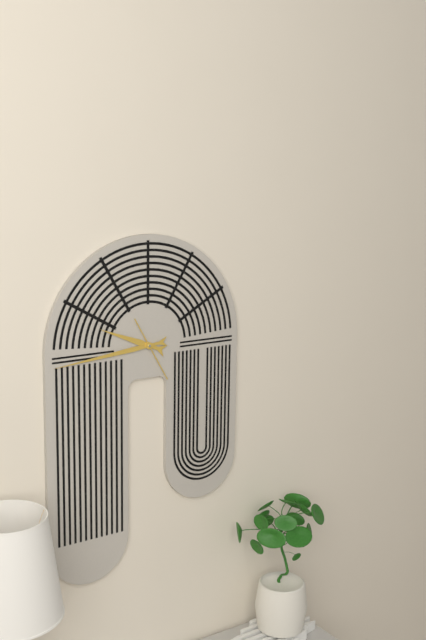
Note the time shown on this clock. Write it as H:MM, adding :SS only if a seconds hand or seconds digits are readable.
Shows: 9:44
